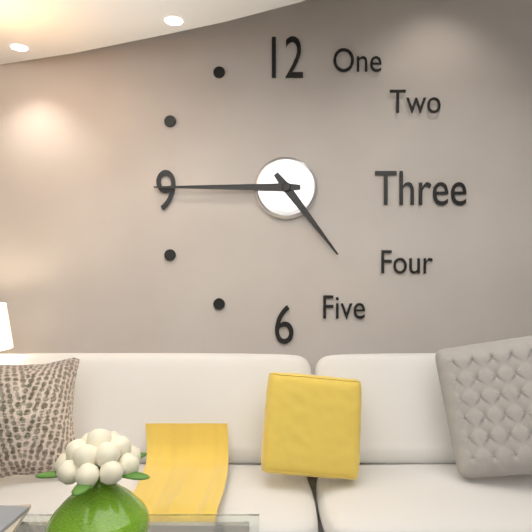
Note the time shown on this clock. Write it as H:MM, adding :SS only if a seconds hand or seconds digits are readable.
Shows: 4:45
